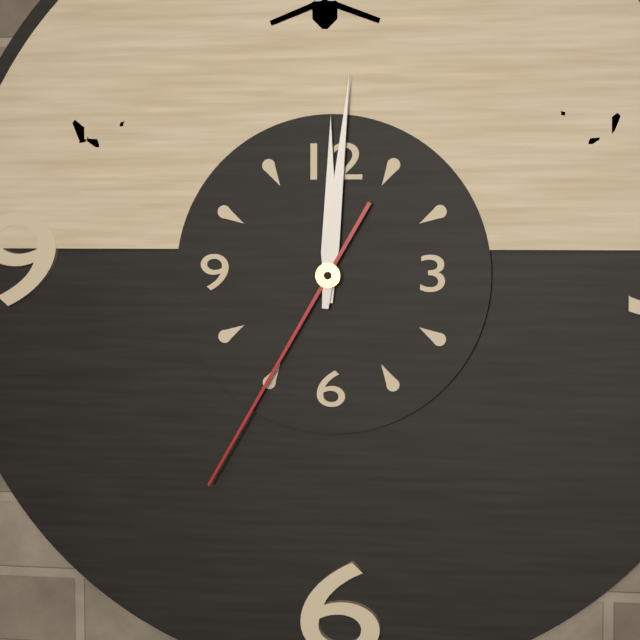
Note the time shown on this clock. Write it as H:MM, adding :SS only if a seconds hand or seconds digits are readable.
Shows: 12:01:35
